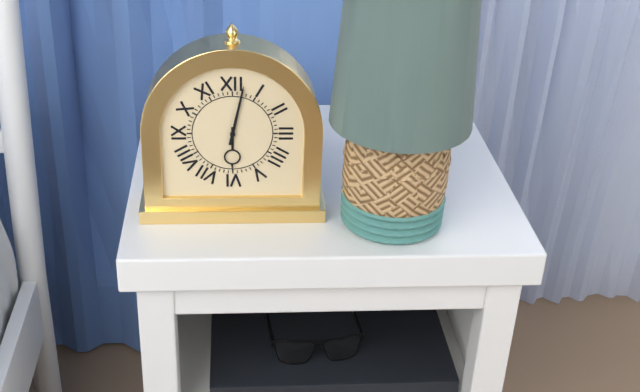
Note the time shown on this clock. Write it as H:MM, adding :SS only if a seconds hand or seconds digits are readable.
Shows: 6:02
